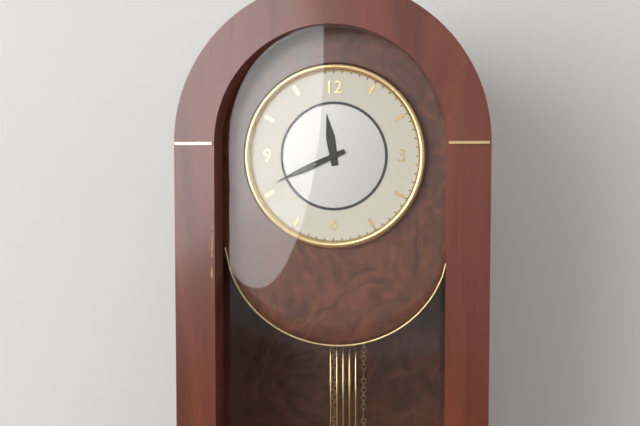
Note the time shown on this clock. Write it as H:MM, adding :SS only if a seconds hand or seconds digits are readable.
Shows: 11:41
